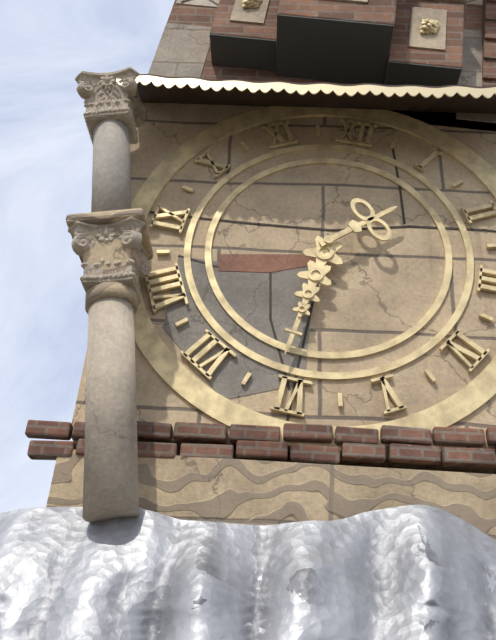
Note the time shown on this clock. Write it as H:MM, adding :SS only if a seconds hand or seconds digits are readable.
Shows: 1:31
